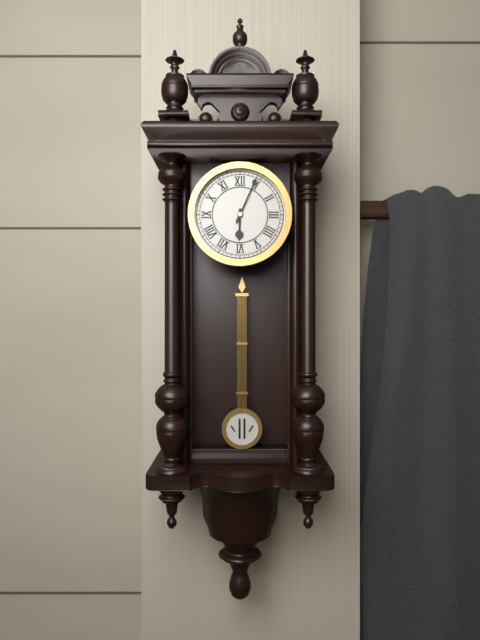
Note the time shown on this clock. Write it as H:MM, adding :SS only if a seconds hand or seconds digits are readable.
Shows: 6:04
